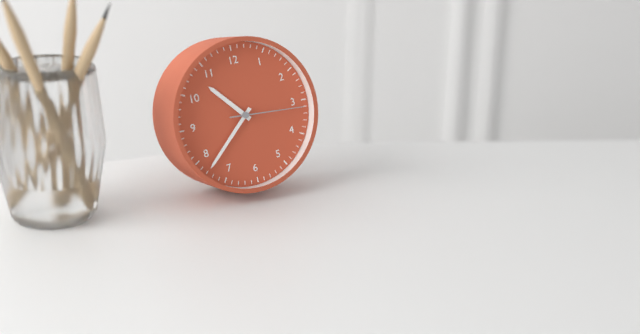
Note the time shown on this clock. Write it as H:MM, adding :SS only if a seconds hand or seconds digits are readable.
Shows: 10:38:16
